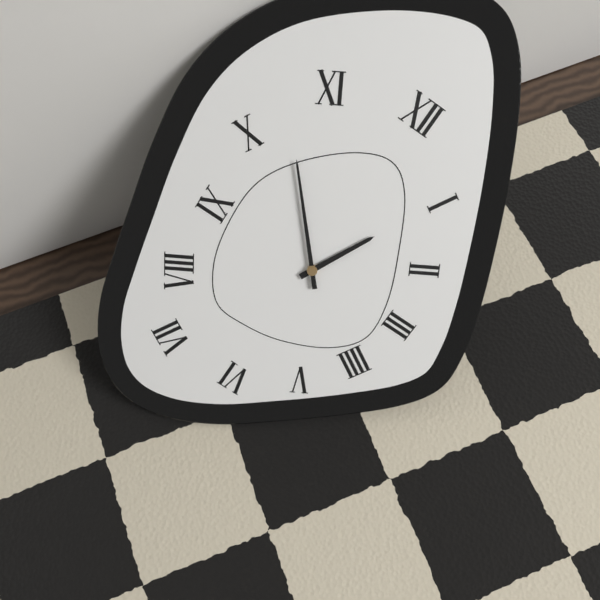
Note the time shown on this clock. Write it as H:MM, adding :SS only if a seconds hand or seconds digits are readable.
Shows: 12:53
